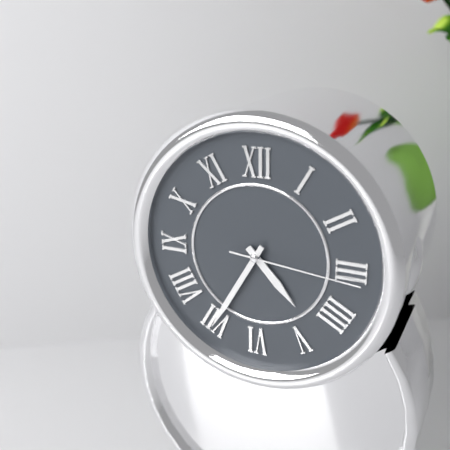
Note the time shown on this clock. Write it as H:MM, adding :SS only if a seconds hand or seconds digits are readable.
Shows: 4:35:16
